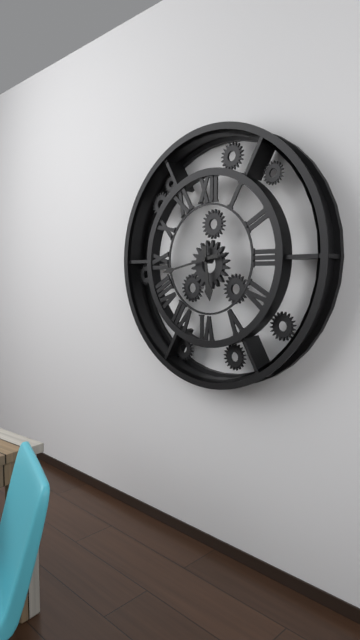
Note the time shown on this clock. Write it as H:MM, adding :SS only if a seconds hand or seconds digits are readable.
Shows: 5:43
